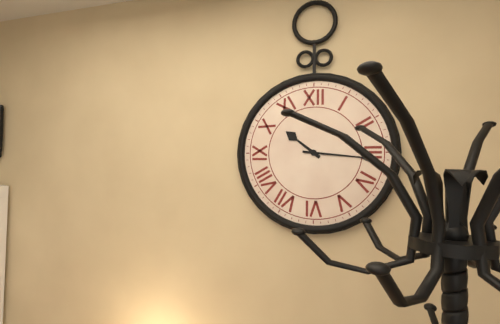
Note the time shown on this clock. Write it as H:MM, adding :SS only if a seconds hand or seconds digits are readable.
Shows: 10:16
